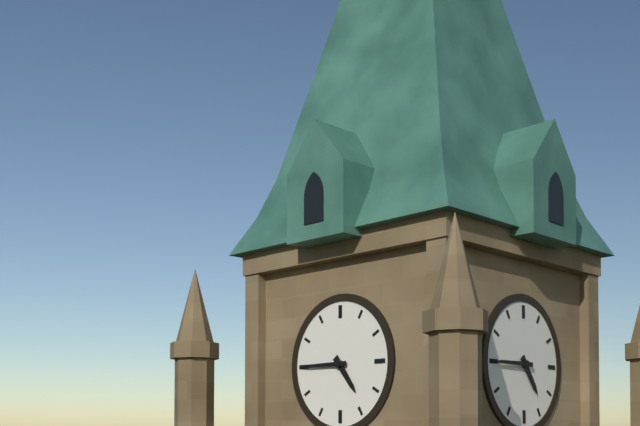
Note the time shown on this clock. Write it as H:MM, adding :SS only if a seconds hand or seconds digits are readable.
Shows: 4:45
